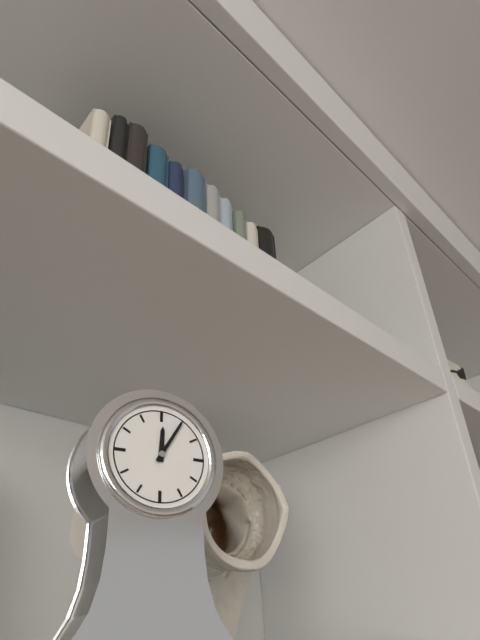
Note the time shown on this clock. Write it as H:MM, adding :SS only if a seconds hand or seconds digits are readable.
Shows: 12:05
